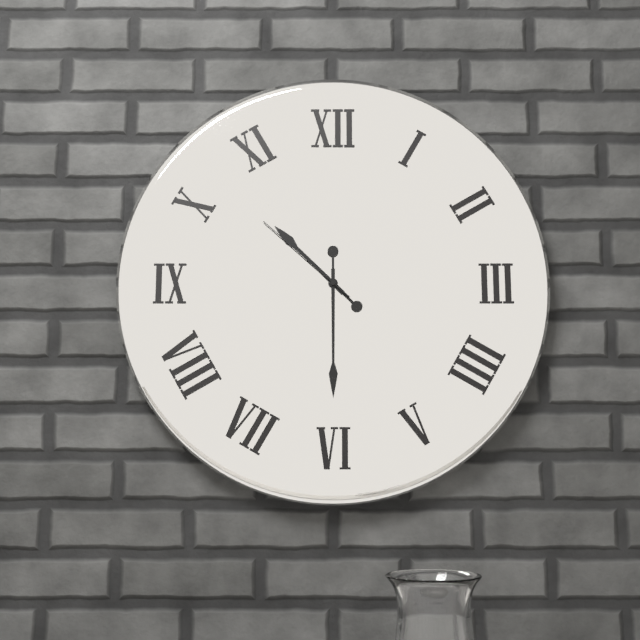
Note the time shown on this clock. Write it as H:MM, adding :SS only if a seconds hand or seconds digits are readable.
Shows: 10:30:52
